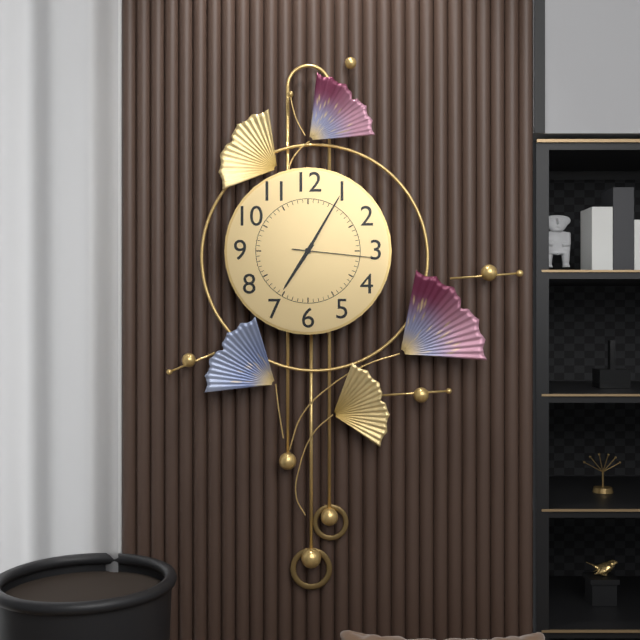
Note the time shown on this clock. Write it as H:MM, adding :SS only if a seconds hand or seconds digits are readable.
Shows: 7:05:16
